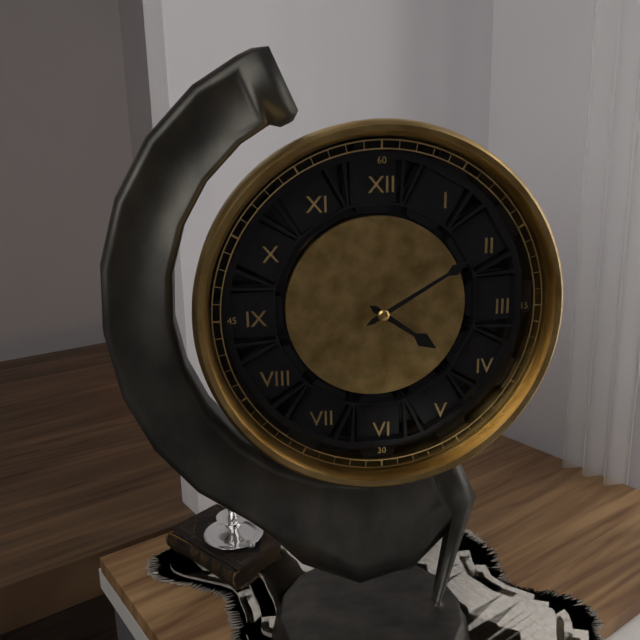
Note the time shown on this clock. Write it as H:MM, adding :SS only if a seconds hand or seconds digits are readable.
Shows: 4:10
